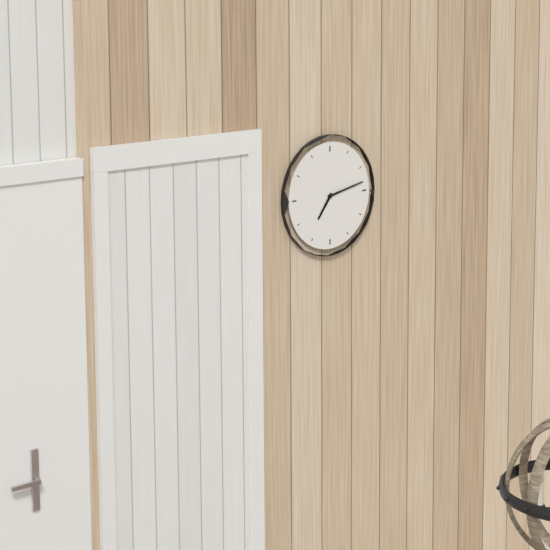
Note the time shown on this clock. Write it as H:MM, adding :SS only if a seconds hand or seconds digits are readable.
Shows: 7:13
